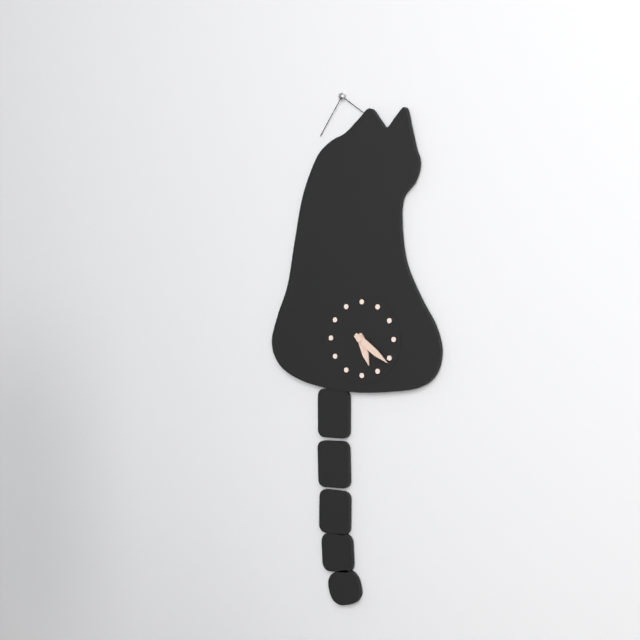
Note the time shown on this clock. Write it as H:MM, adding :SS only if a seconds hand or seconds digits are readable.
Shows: 5:21
